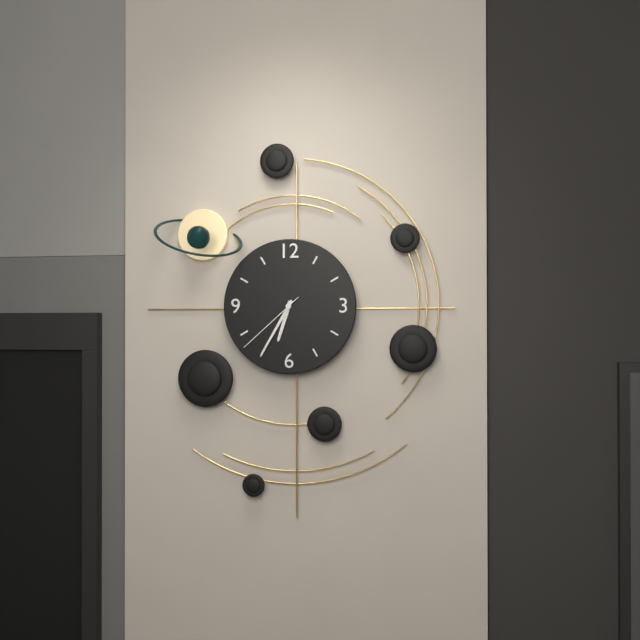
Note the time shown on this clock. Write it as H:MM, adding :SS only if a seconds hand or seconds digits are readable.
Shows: 6:35:38
